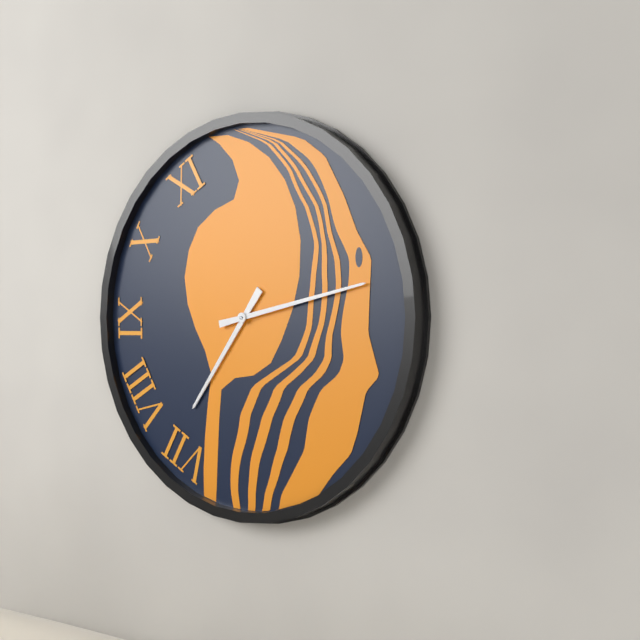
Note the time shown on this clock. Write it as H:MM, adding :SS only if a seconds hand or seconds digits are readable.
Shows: 7:13
